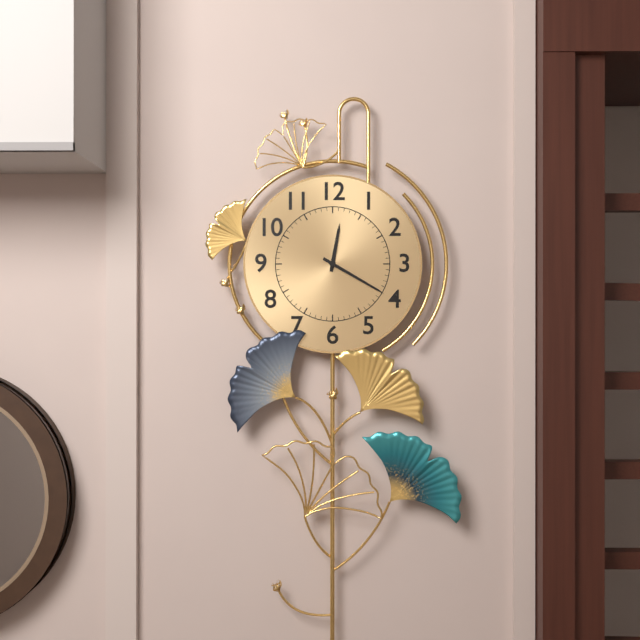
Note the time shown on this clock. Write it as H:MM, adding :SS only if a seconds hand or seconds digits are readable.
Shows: 12:20
